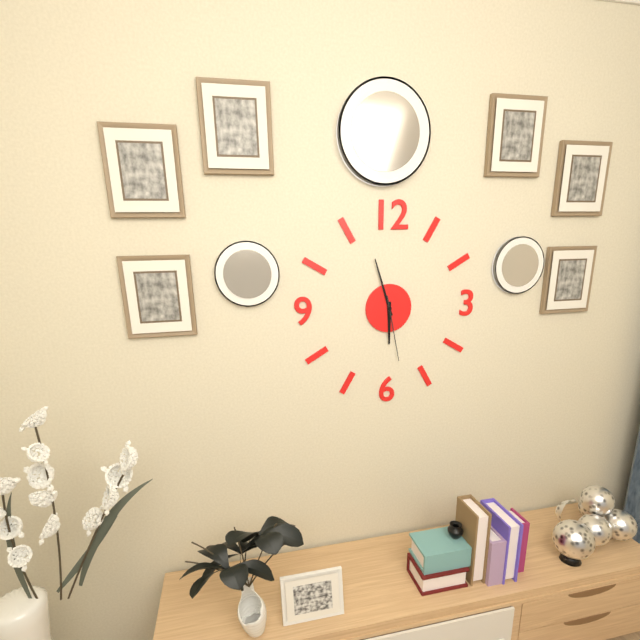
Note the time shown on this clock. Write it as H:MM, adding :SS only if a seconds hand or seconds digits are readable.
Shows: 5:57:28
